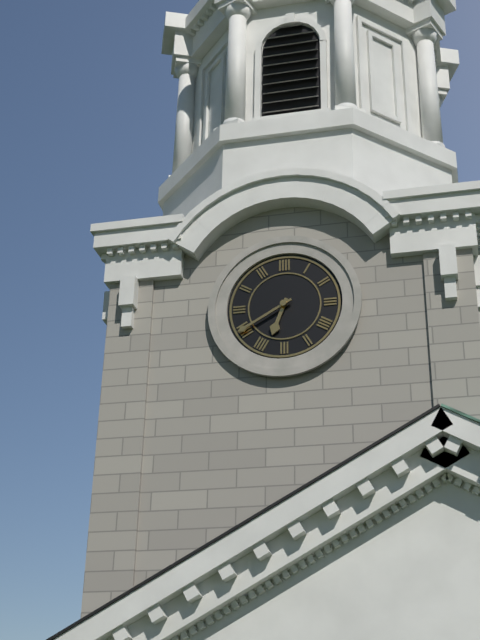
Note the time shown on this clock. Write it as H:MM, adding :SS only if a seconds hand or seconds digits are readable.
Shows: 6:40
